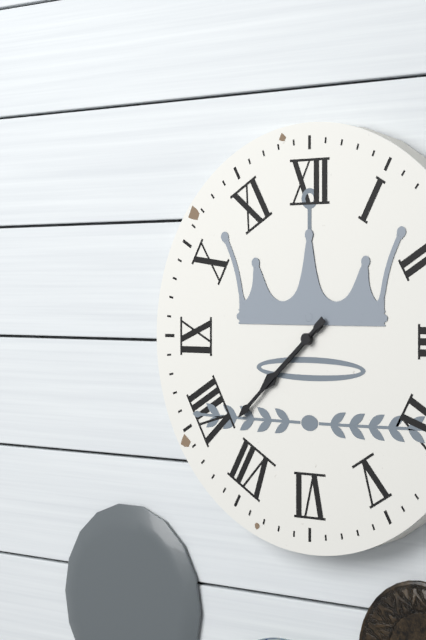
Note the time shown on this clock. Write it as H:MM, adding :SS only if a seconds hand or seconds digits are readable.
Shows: 7:38
